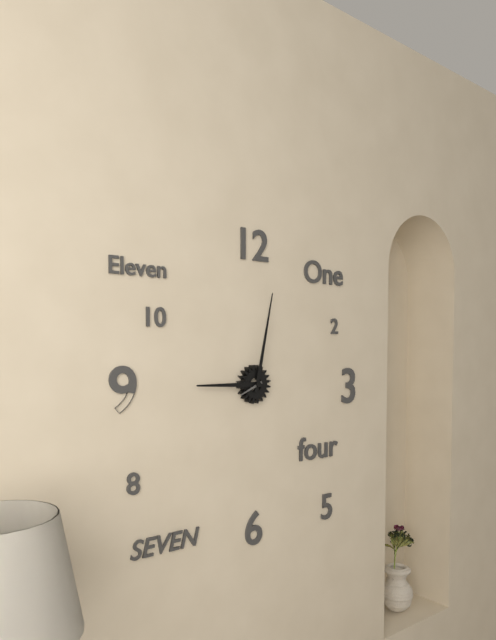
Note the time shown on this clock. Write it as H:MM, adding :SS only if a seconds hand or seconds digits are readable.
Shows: 9:02
